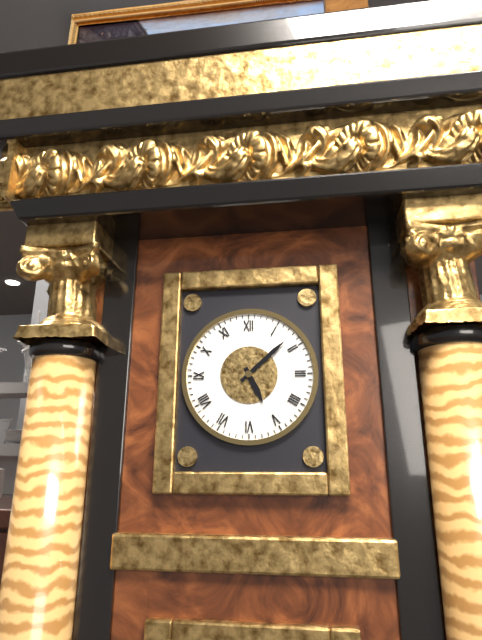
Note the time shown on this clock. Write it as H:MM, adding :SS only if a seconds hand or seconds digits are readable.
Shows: 5:08
